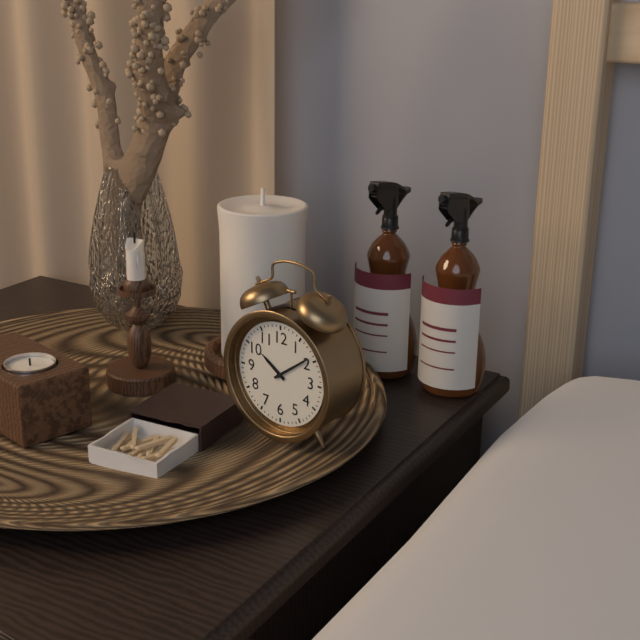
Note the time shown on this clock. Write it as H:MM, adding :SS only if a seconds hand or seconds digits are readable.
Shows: 10:09
